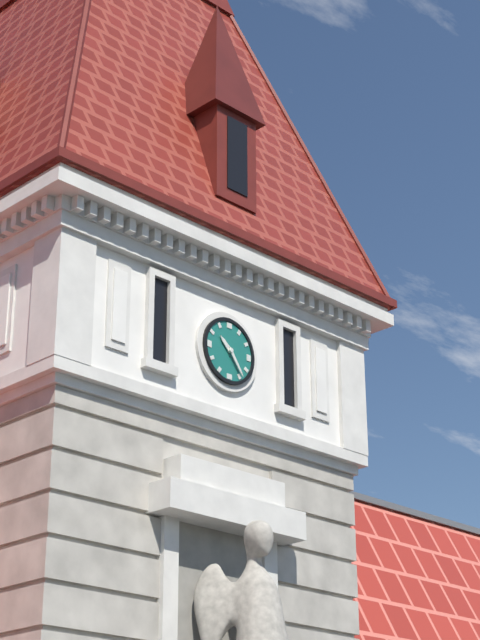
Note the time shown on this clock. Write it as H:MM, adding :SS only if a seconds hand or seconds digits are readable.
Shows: 10:24
